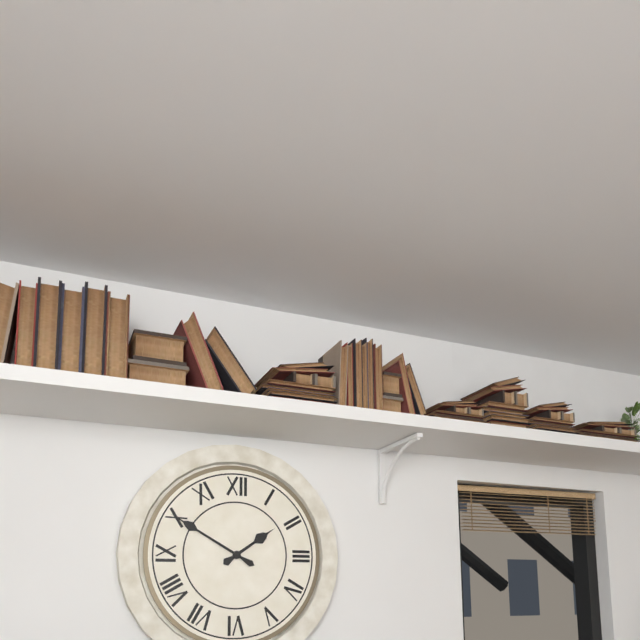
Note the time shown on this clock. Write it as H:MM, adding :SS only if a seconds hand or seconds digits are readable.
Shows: 1:50
